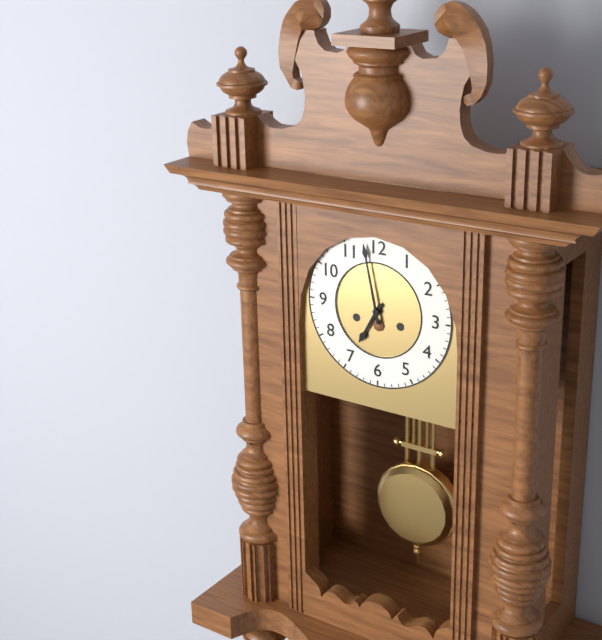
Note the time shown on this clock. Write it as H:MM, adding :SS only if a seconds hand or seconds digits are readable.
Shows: 6:58
